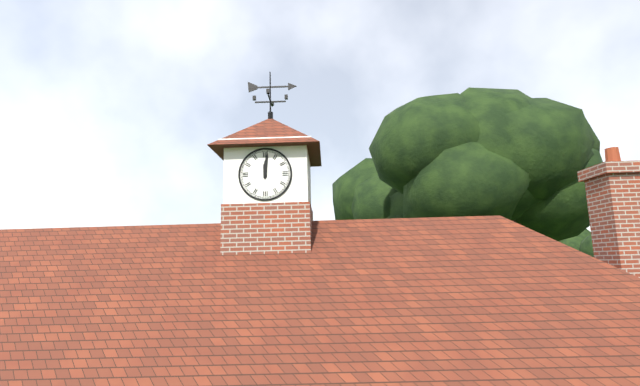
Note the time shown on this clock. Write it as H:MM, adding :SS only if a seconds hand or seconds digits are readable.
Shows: 12:01
